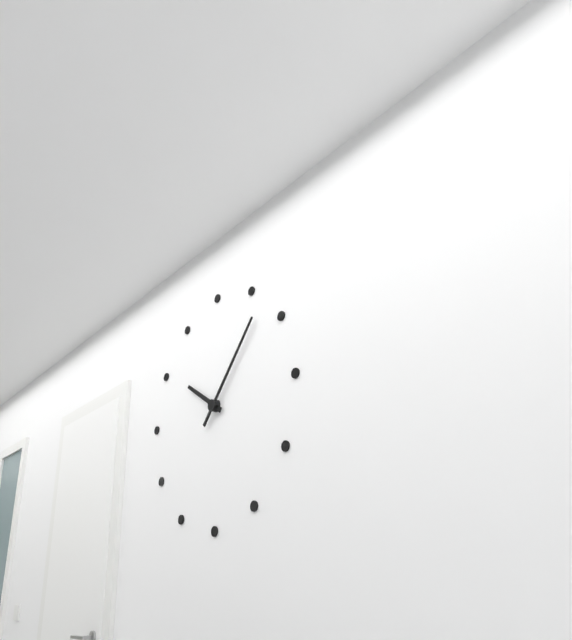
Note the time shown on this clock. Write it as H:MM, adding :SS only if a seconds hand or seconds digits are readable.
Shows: 10:07
